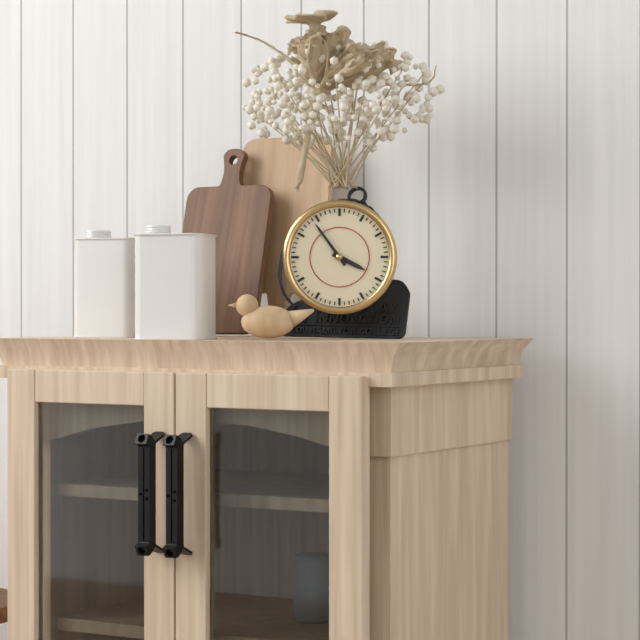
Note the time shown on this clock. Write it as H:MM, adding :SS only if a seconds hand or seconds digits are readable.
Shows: 3:54
